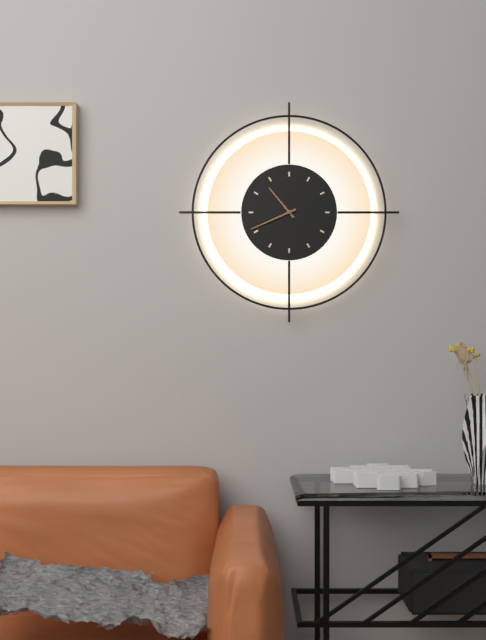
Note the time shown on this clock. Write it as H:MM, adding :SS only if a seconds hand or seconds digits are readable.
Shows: 10:41
